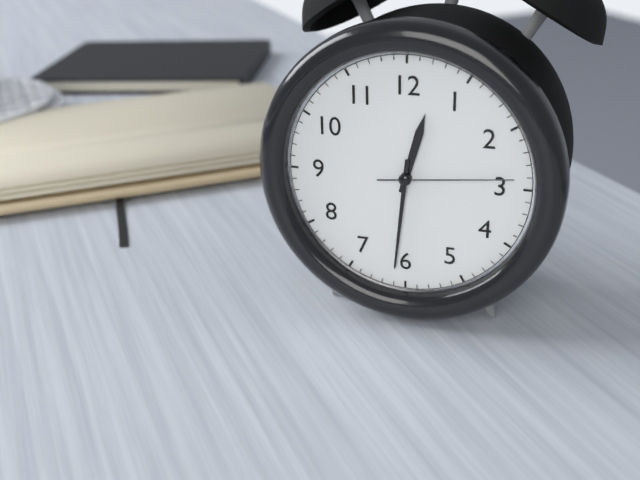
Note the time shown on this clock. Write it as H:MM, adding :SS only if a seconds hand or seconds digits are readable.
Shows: 12:31:14
